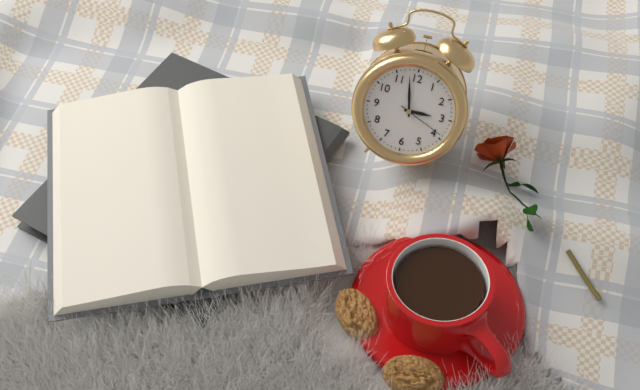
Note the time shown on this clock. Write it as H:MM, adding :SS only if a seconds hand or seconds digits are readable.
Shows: 2:58
